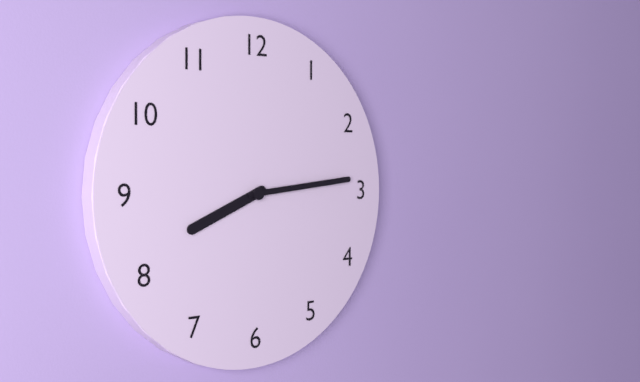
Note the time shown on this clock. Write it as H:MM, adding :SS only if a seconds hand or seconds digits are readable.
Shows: 8:14
